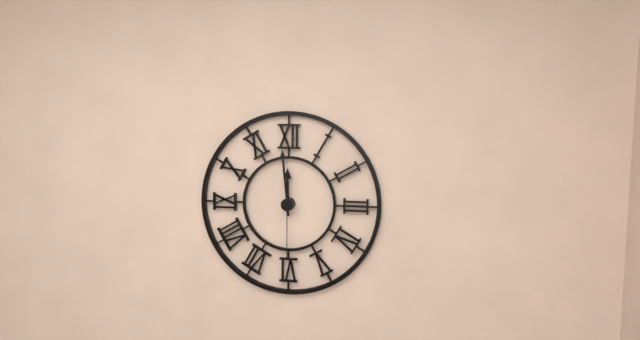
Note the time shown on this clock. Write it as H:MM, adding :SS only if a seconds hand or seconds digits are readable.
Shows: 11:59:30
